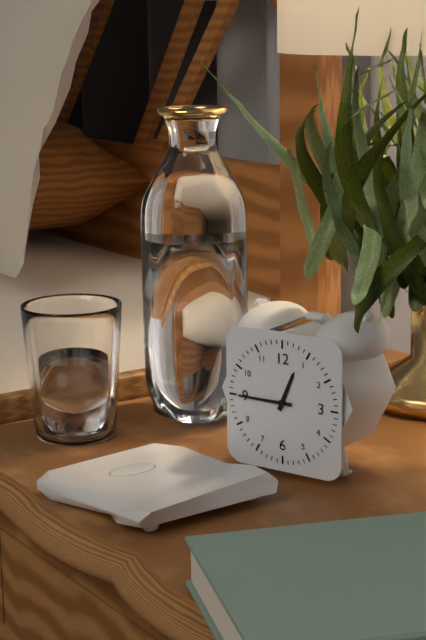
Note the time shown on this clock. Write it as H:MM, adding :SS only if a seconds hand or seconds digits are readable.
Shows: 12:45
